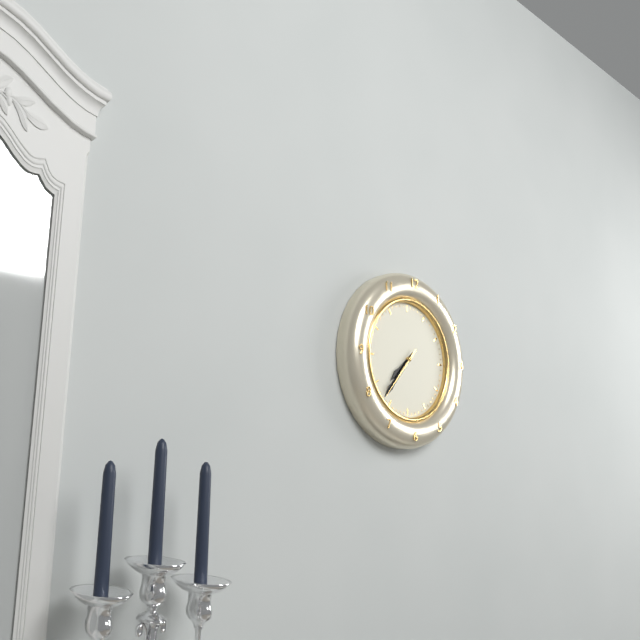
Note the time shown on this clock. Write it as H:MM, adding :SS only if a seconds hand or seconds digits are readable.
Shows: 7:37:37
